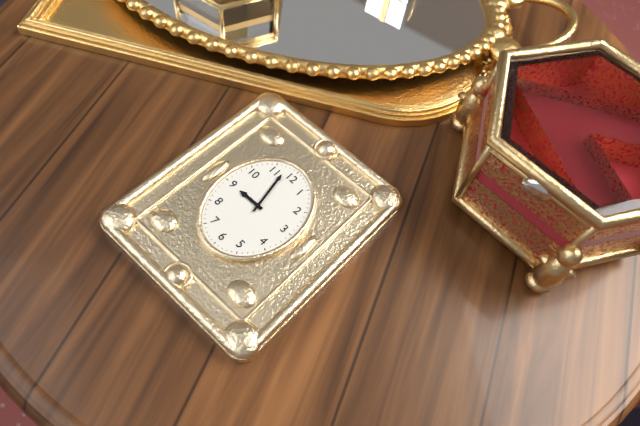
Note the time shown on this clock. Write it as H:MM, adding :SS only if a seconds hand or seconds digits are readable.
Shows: 8:58
